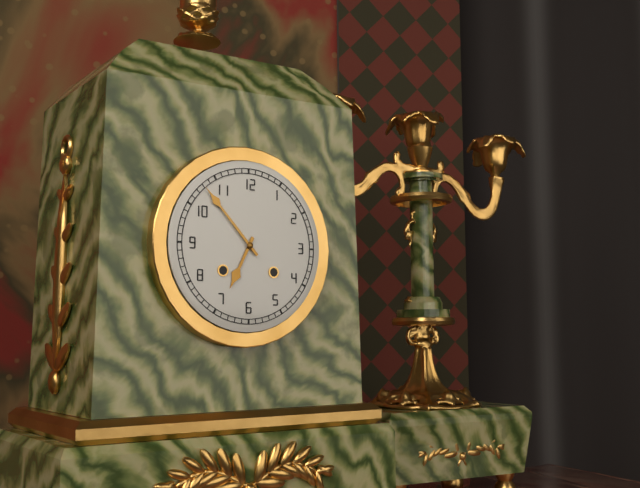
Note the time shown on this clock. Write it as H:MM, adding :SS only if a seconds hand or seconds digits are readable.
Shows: 6:53
